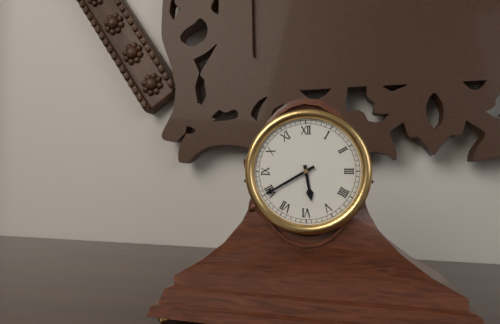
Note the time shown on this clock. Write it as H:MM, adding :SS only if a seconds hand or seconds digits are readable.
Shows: 5:40
